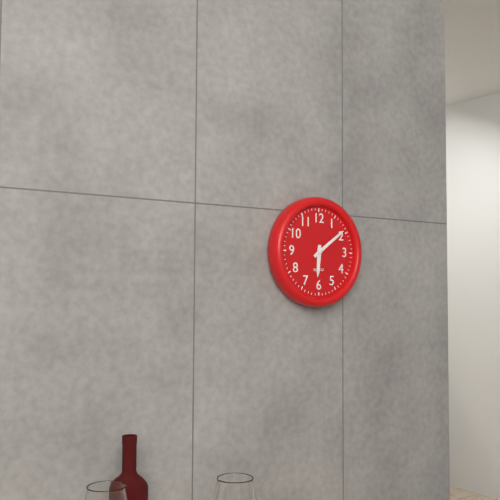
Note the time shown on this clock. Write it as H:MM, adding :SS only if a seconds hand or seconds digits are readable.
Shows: 6:09
